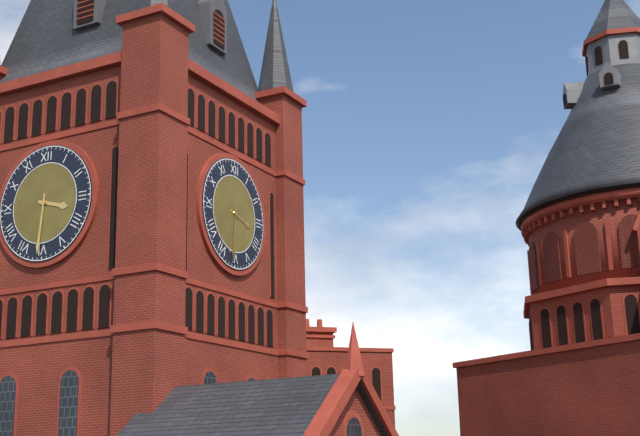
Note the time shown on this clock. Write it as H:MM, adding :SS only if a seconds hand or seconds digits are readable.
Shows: 3:31
